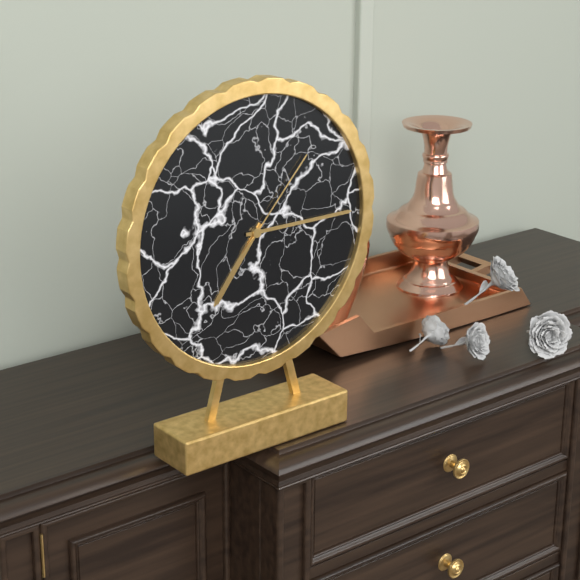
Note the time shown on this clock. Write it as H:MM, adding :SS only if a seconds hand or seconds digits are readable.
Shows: 7:15:07
